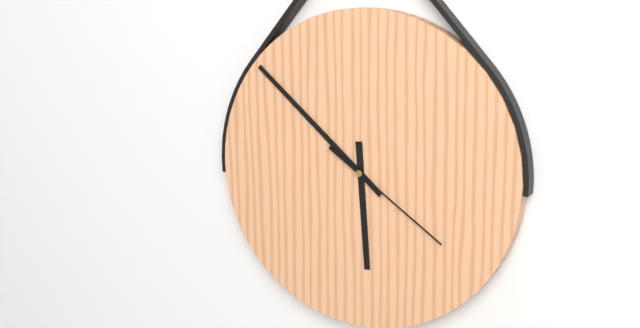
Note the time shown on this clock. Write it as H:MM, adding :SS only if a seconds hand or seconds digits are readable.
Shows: 5:52:21
